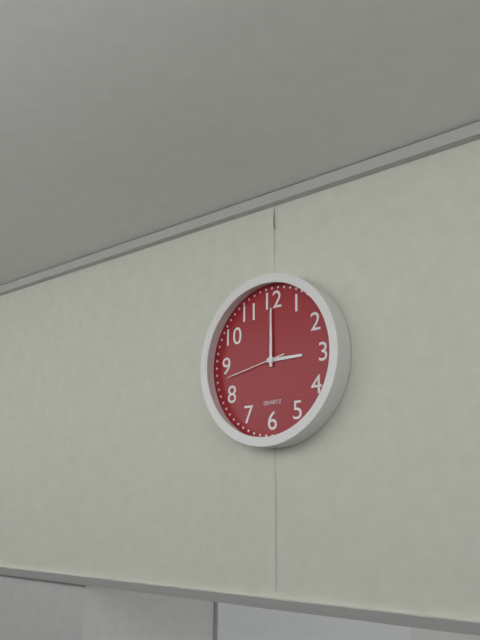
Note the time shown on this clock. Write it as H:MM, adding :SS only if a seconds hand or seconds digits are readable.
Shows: 3:00:43
